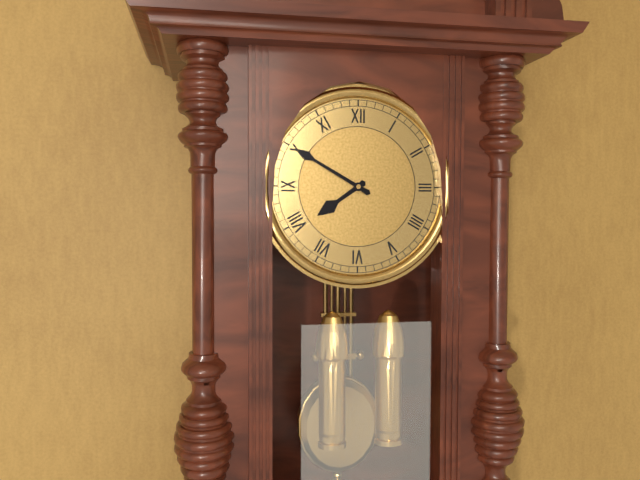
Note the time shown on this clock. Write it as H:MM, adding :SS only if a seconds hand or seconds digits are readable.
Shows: 7:50
